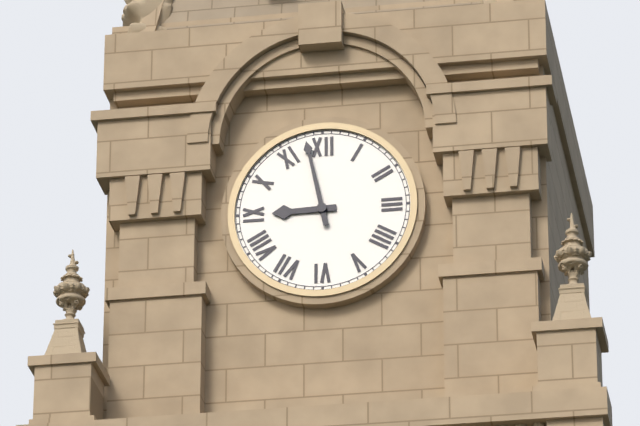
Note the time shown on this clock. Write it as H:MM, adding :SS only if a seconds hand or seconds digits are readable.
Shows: 8:58
